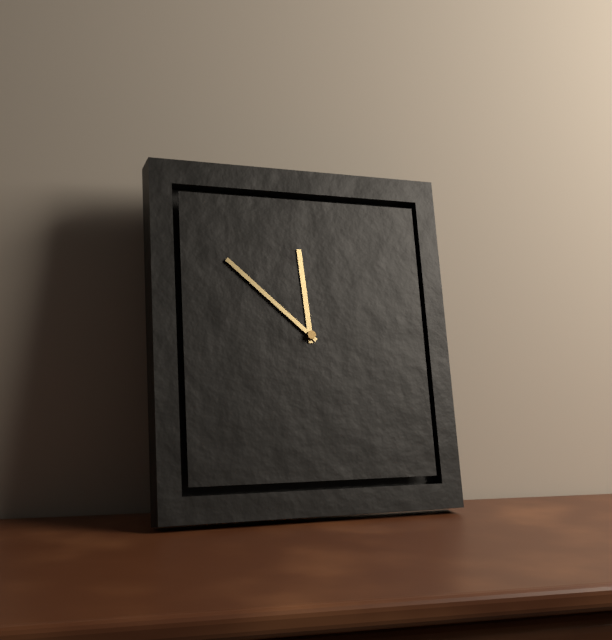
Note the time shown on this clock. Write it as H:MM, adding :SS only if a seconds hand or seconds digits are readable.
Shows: 11:52
